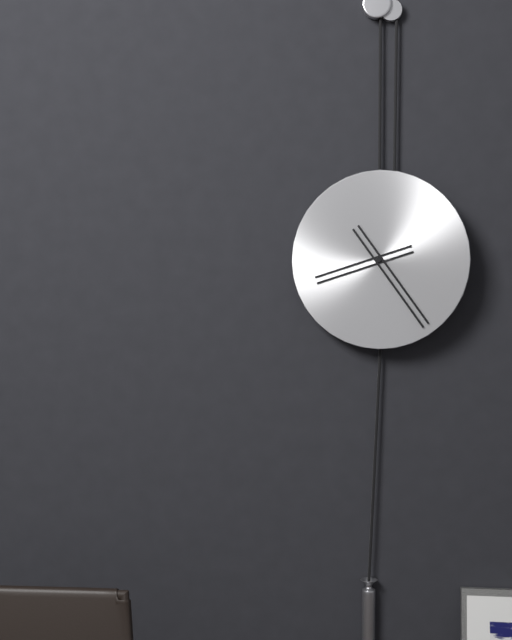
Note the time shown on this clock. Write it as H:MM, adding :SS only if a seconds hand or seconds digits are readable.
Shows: 8:24
